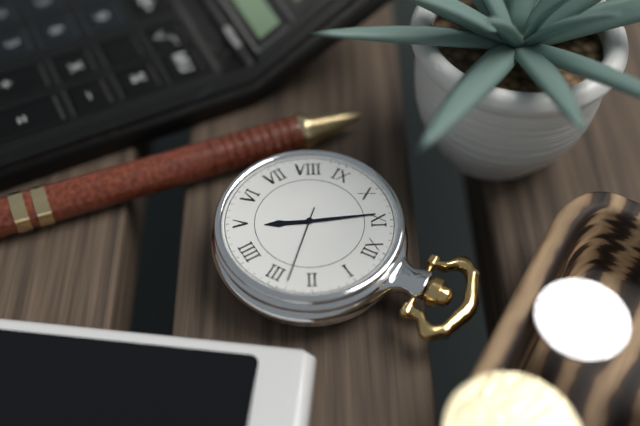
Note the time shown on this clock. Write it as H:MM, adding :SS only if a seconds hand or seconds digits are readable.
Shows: 4:54:13
